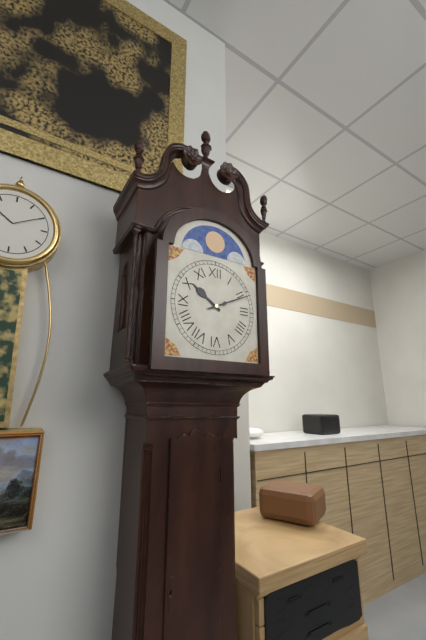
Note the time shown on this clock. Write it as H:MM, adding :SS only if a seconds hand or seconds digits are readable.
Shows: 10:11
